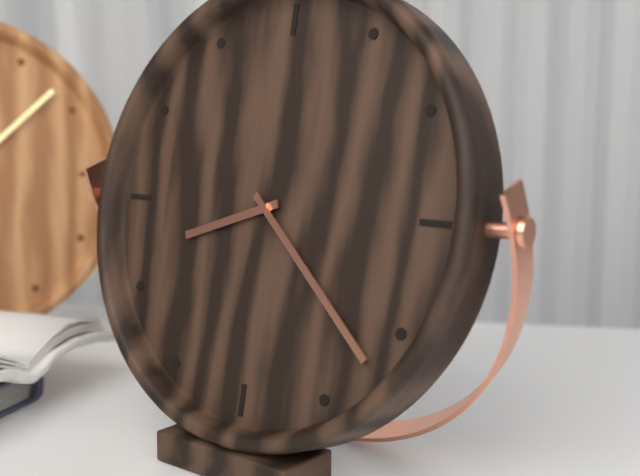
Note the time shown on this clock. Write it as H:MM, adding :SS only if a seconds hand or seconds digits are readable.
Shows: 8:22
